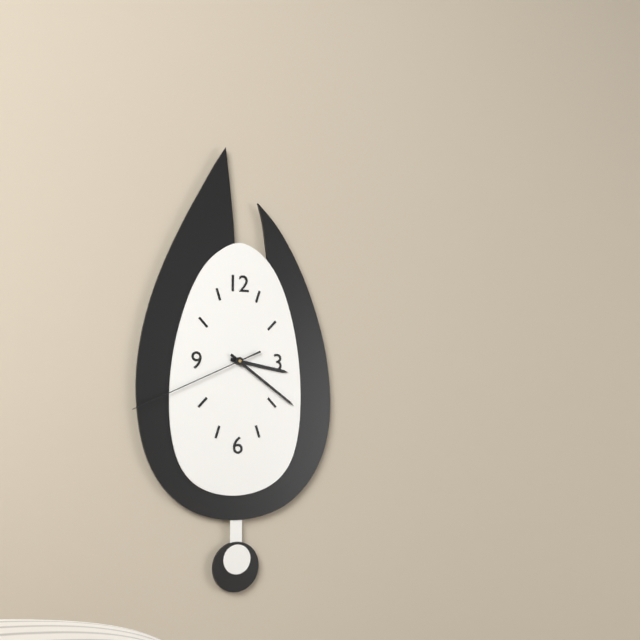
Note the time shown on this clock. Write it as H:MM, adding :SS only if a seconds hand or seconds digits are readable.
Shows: 3:21:41
